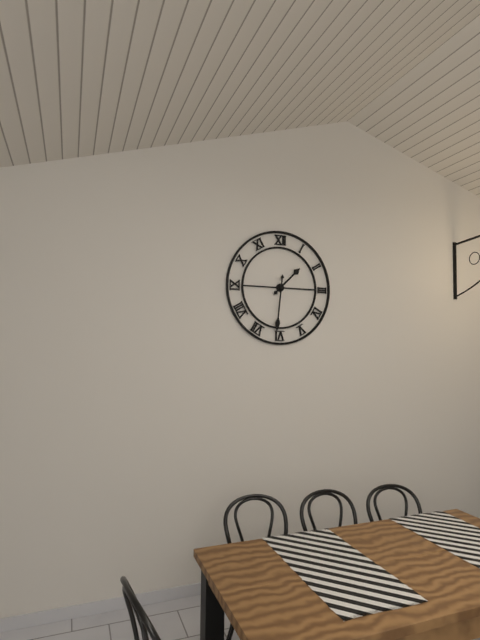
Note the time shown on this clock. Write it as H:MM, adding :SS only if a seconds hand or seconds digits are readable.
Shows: 1:31
